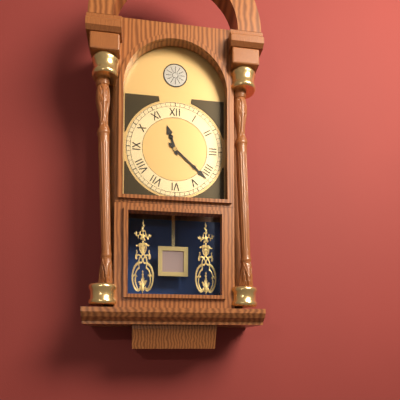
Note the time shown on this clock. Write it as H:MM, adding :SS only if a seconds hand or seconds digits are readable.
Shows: 11:22
